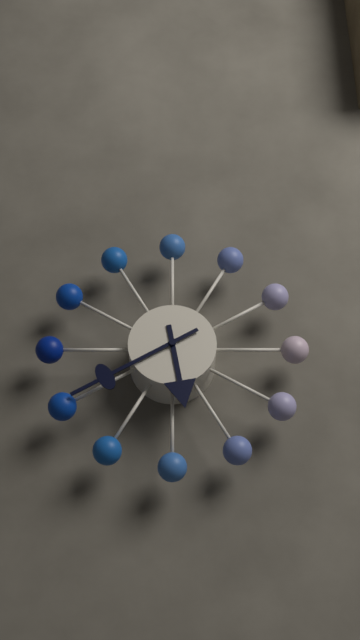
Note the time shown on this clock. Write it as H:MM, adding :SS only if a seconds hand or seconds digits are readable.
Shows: 5:40
